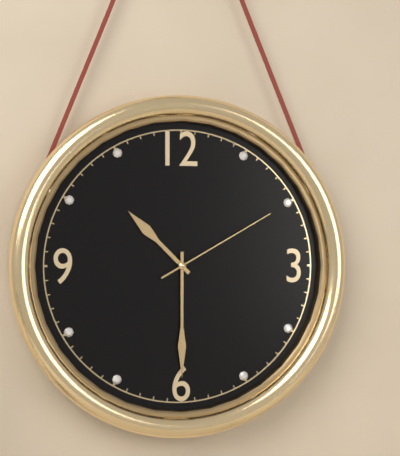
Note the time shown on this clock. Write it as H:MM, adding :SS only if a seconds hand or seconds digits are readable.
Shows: 10:30:10
